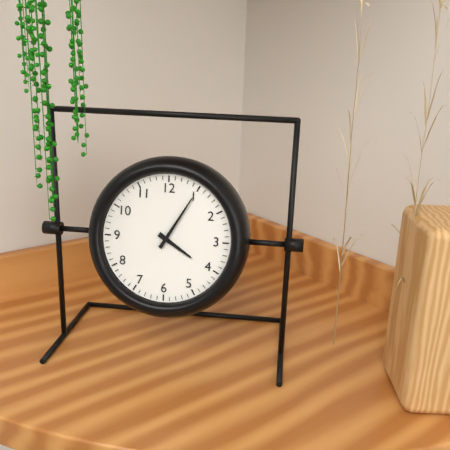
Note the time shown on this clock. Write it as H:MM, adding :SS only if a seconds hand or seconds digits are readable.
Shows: 4:05
